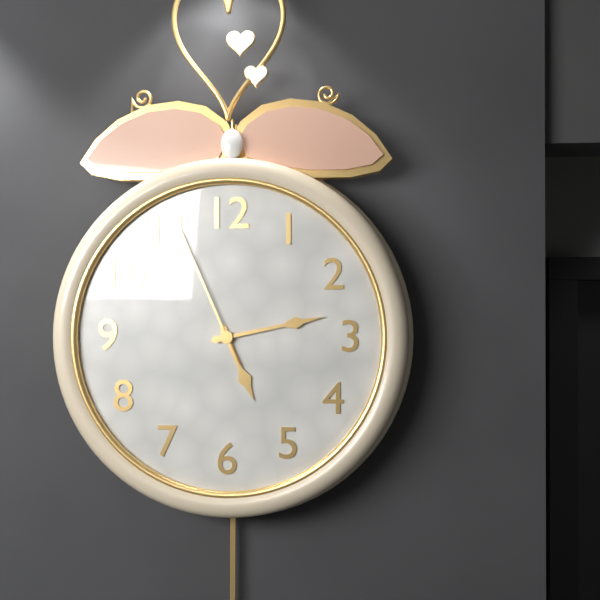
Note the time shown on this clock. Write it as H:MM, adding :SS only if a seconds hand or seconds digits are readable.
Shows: 5:13:56
